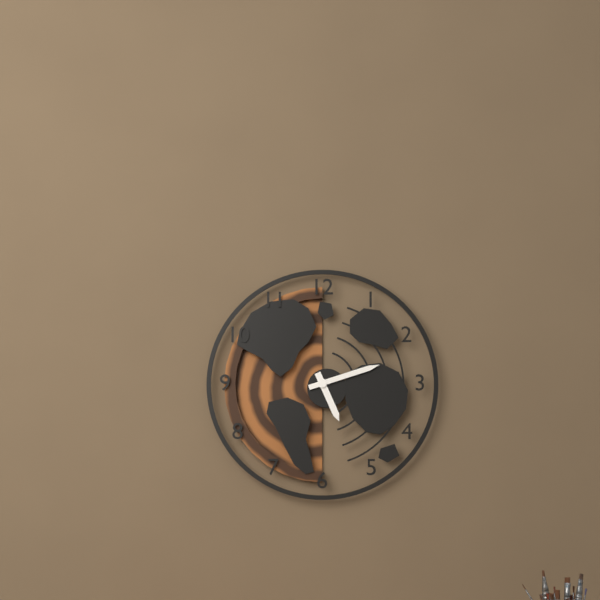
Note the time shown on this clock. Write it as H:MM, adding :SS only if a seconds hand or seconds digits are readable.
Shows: 5:12
